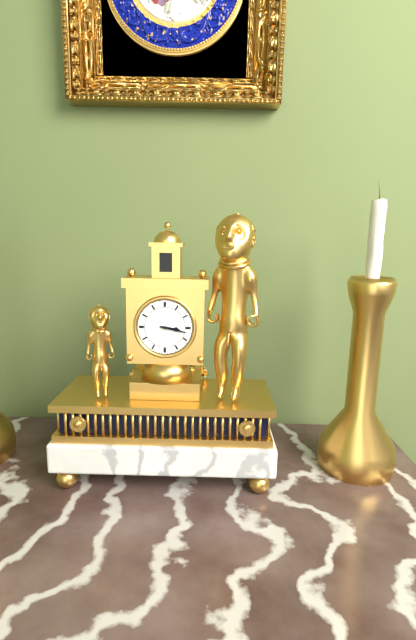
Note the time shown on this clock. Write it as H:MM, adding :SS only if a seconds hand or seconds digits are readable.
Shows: 3:17
